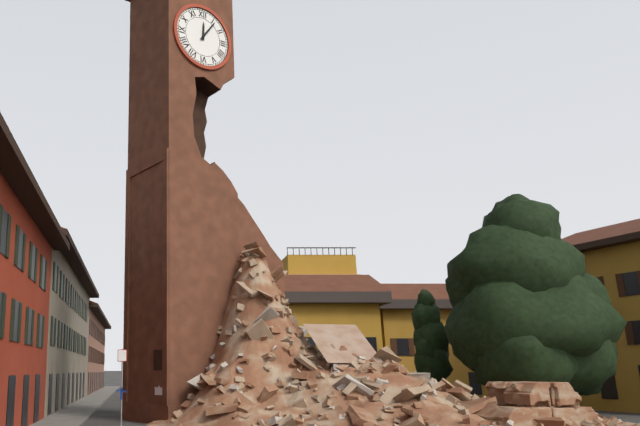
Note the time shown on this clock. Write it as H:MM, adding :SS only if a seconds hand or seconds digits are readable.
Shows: 12:06
